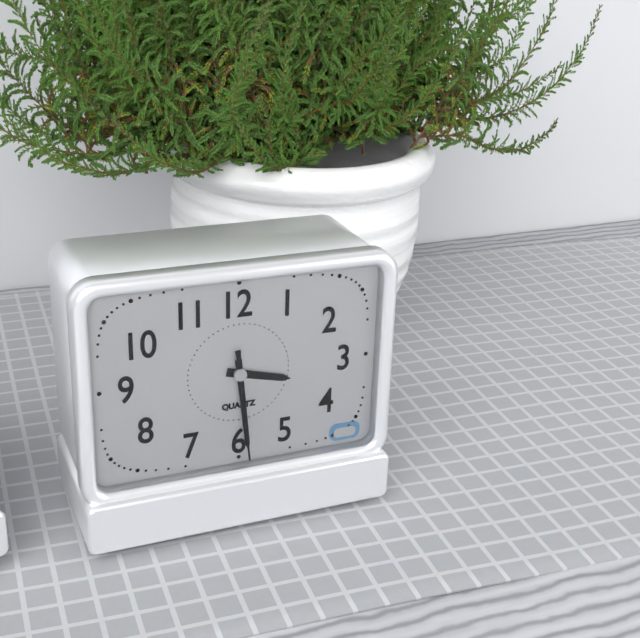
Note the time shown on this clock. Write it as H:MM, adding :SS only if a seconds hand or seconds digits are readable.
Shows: 3:29:29
